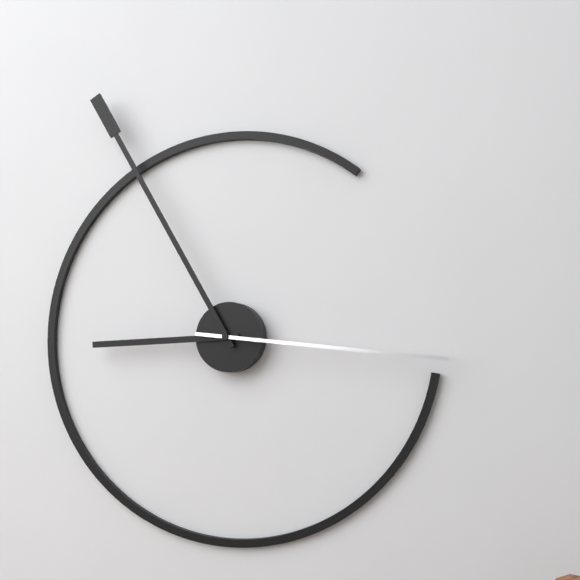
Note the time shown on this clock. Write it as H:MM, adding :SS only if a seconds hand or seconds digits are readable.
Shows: 8:55:16
